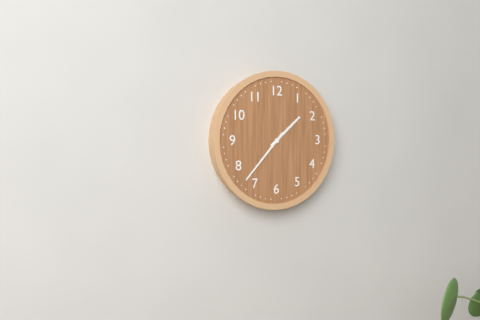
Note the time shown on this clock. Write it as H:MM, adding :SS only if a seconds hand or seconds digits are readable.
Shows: 1:37
